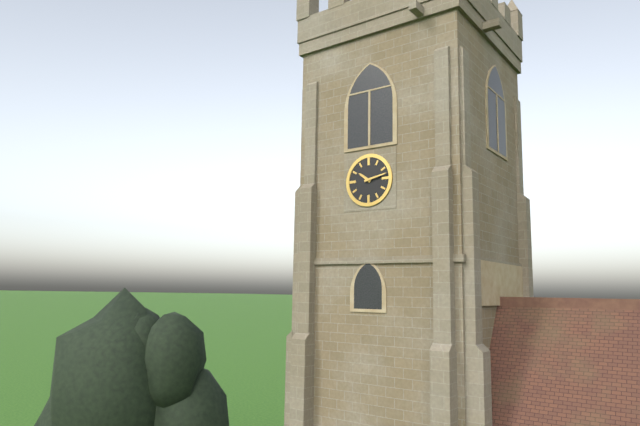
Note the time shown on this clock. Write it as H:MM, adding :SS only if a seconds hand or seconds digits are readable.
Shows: 10:13
